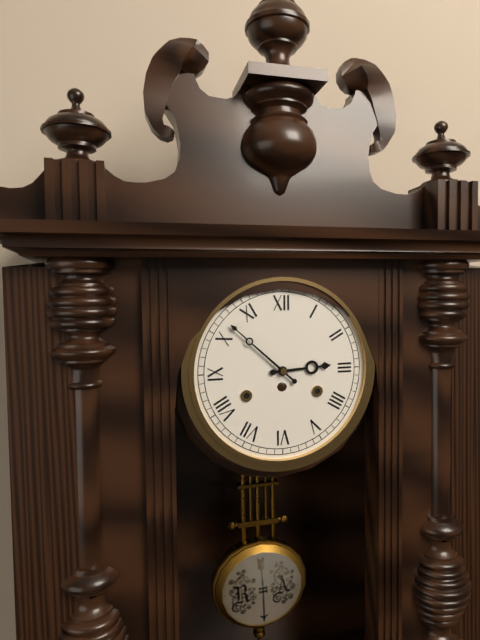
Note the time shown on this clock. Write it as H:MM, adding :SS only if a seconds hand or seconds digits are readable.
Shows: 2:52
